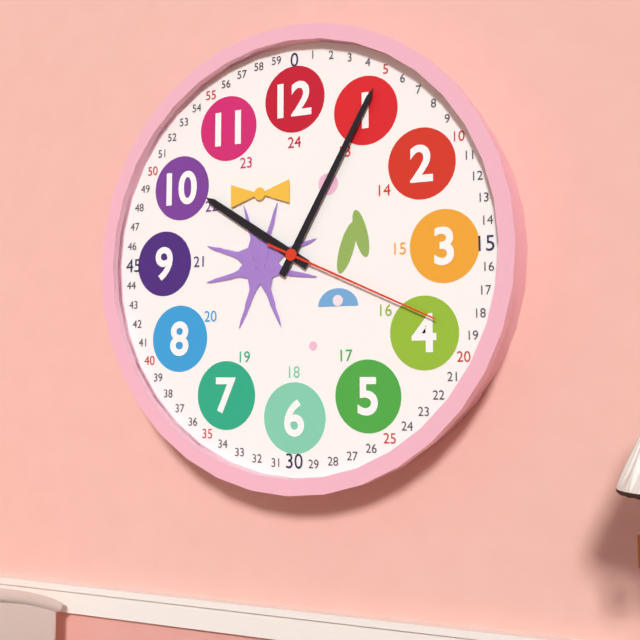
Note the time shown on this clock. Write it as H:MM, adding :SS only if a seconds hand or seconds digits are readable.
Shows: 10:05:19
